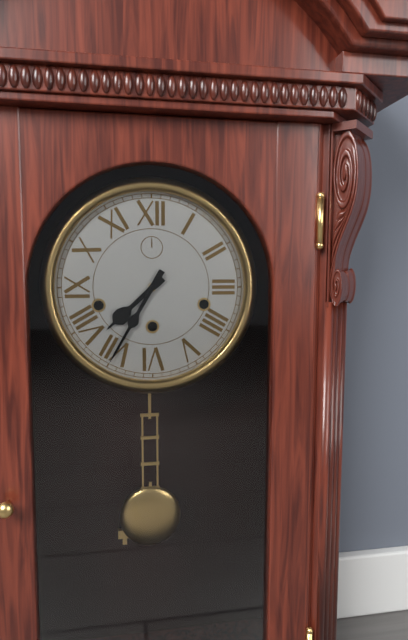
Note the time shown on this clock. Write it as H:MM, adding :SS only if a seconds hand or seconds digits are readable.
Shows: 7:35
